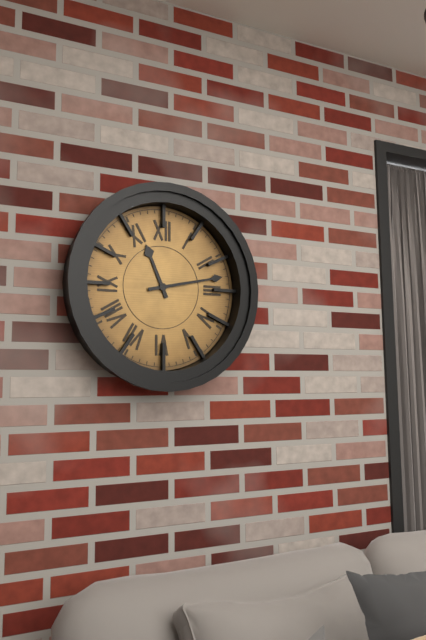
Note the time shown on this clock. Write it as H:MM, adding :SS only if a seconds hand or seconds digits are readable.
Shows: 11:13
